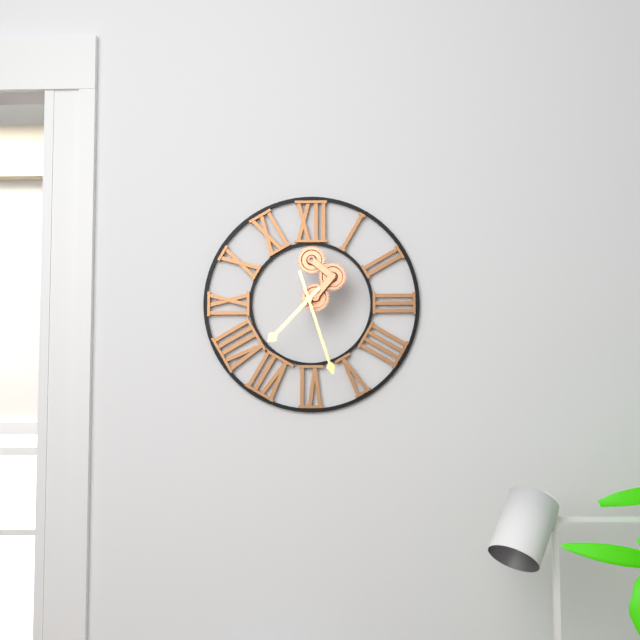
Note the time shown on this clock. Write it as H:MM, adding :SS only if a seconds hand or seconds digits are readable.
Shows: 7:27
